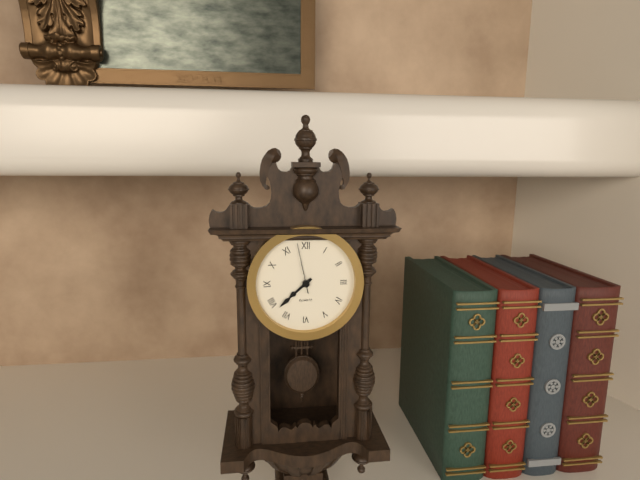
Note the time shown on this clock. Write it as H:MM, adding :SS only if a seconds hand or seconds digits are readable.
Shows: 7:38:58
